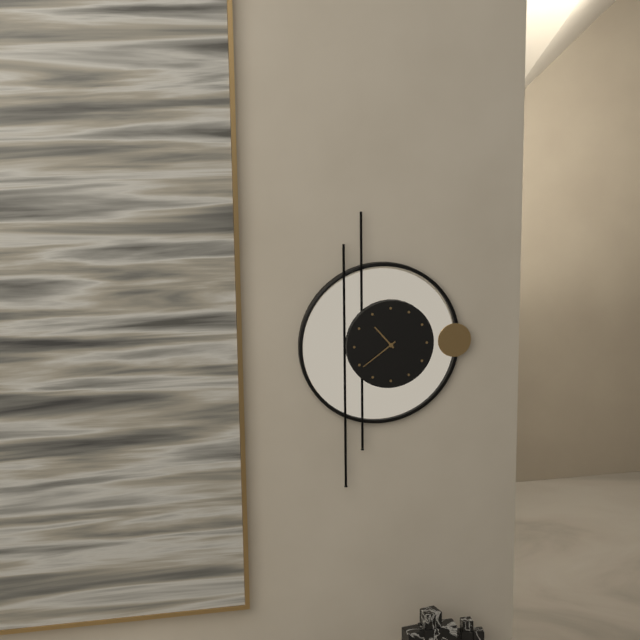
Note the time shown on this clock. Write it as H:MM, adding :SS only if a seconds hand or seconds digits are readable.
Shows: 10:39
